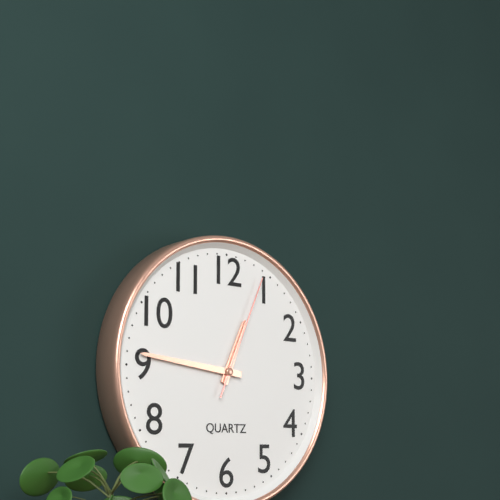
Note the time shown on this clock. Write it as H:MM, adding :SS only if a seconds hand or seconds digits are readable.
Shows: 12:46:04
